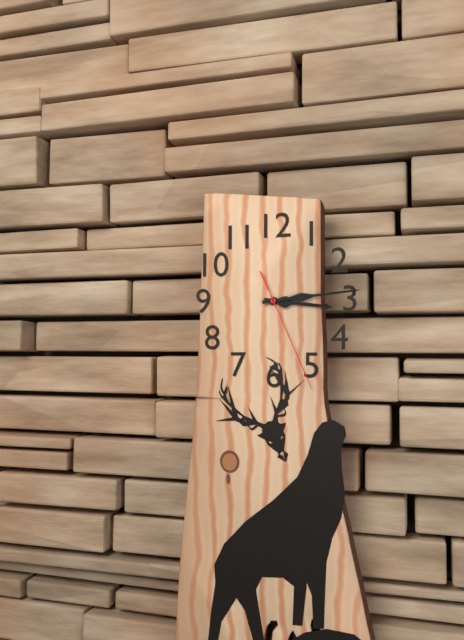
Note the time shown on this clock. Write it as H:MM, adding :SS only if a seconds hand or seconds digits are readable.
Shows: 3:14:26
